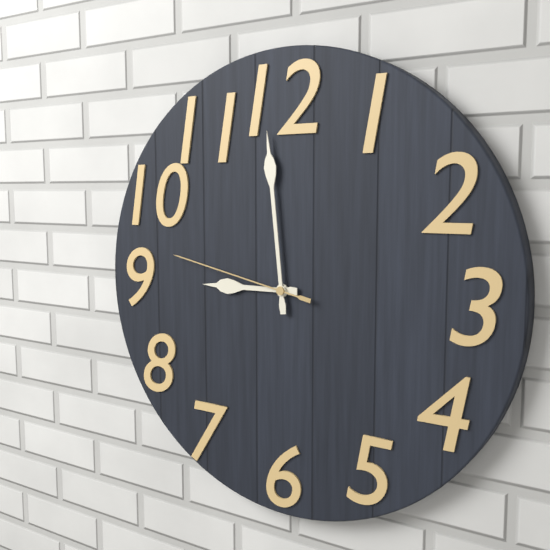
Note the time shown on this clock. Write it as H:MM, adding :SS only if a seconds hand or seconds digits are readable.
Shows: 8:59:47
